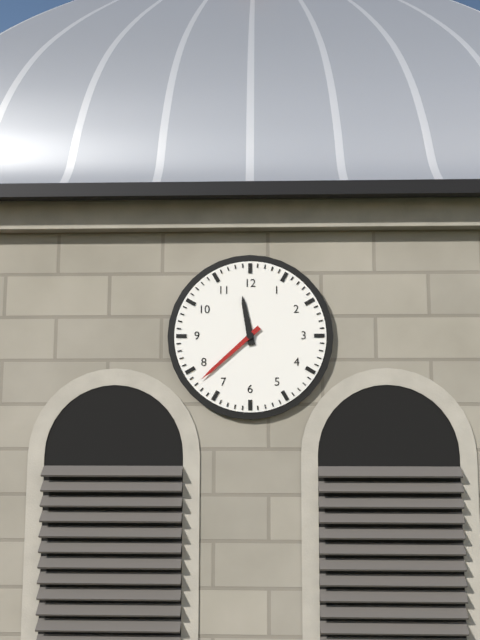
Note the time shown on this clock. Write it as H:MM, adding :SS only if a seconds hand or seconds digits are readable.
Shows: 11:38
